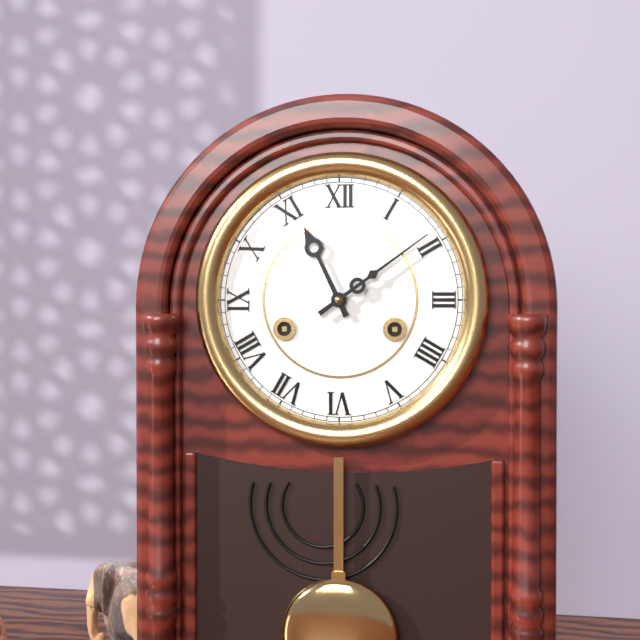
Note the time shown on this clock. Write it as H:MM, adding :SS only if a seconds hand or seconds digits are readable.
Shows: 11:09
